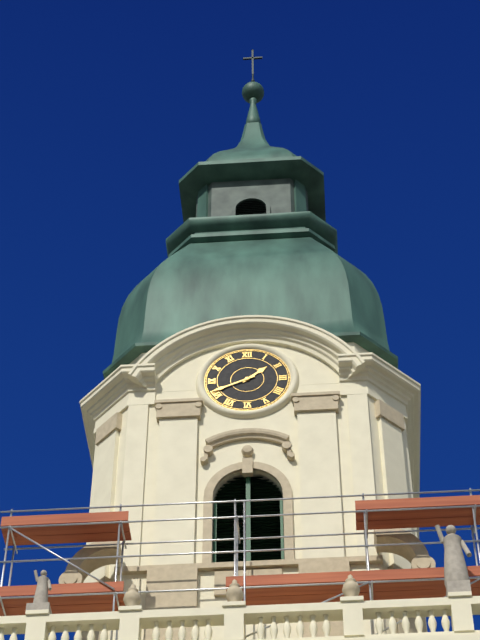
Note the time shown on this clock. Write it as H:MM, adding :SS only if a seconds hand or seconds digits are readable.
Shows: 1:41
